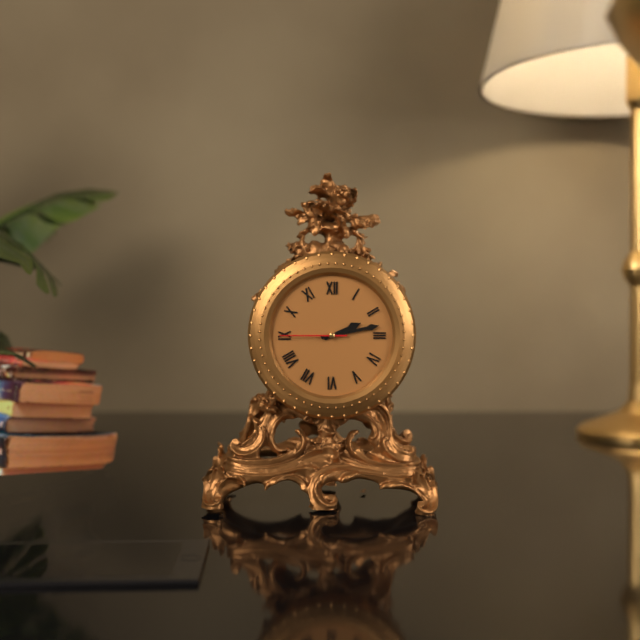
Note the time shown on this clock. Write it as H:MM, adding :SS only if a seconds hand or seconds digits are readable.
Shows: 2:13:45
